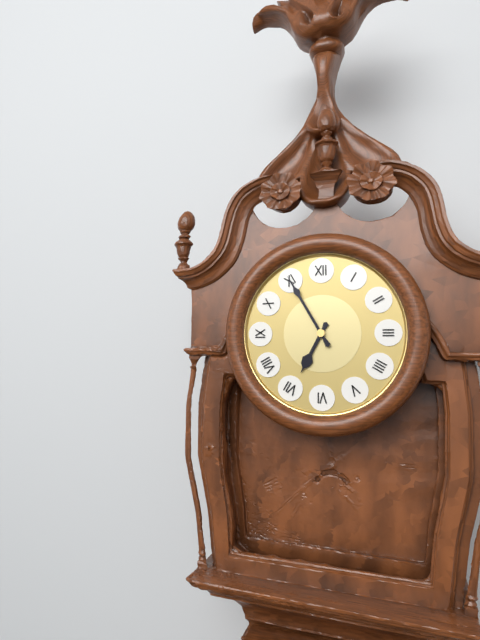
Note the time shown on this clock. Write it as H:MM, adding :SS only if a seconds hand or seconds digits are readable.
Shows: 6:55
